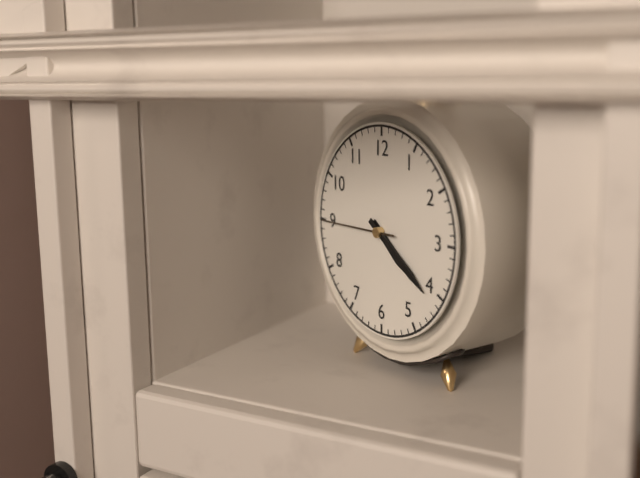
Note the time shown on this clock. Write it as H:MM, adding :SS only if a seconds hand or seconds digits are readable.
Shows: 4:21:45
